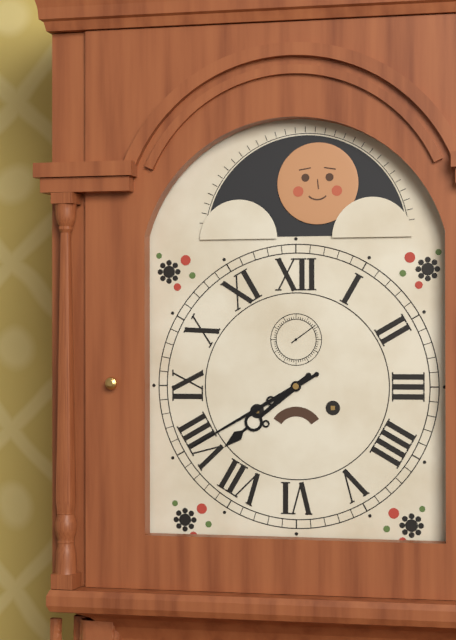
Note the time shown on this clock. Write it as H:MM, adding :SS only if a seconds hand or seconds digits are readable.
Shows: 7:40
